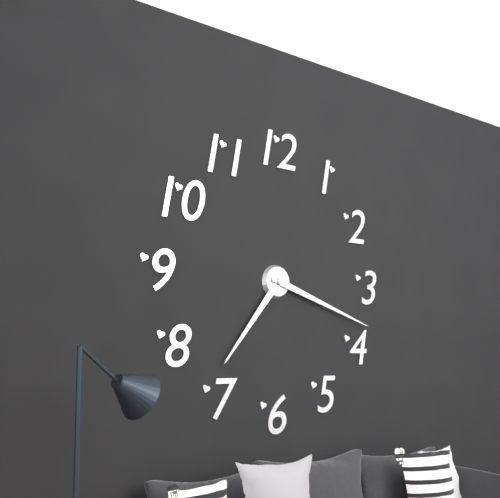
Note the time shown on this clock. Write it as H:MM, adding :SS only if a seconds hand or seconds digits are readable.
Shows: 7:18
